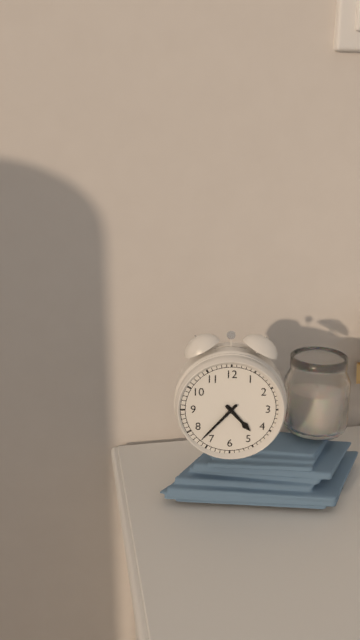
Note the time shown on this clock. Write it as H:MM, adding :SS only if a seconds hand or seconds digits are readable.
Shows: 4:37
